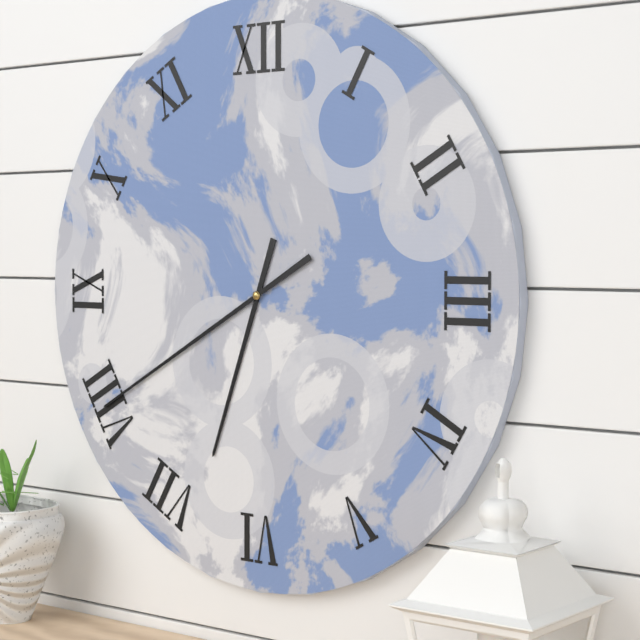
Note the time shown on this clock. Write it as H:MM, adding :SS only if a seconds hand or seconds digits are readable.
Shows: 6:40
